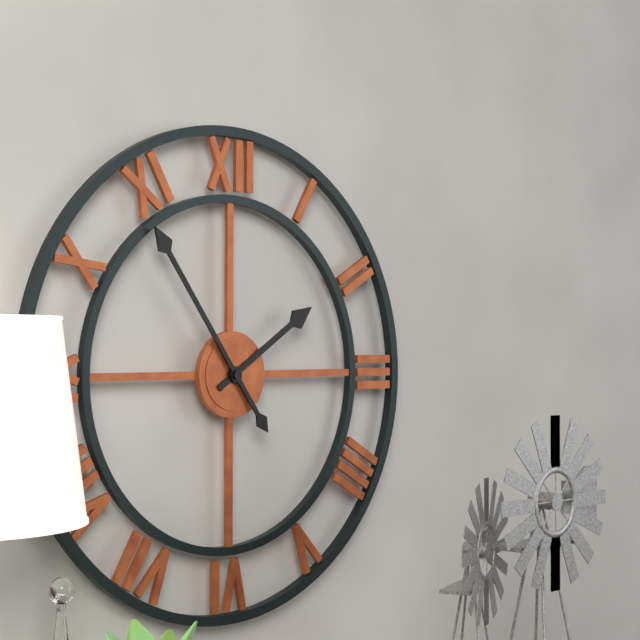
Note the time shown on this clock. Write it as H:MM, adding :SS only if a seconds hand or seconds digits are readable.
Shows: 1:54
